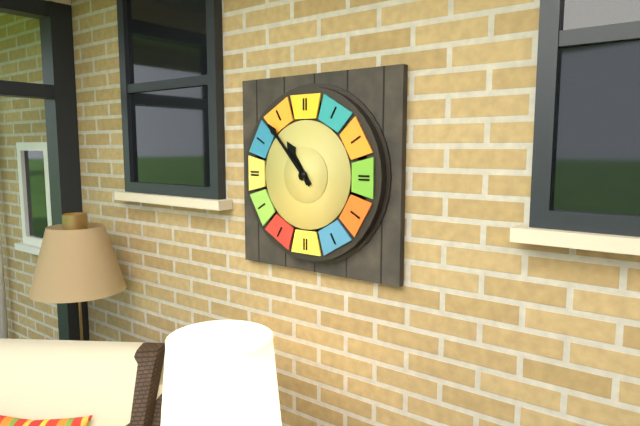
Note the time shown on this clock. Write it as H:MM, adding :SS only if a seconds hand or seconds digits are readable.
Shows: 10:53
